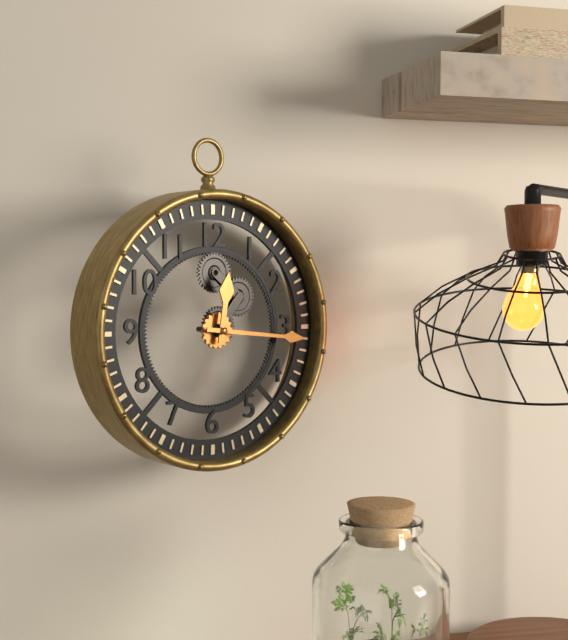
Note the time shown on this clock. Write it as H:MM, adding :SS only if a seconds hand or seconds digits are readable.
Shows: 12:16
